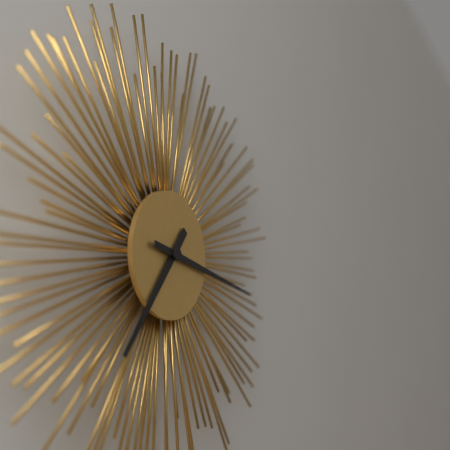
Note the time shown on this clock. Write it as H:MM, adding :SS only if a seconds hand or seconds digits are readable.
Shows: 7:17
